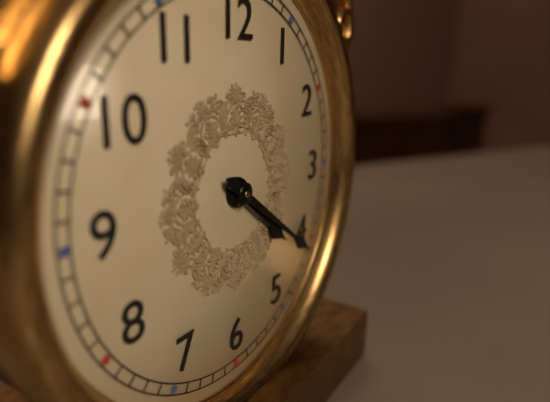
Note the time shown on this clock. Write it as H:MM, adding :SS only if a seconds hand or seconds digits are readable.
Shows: 4:21
